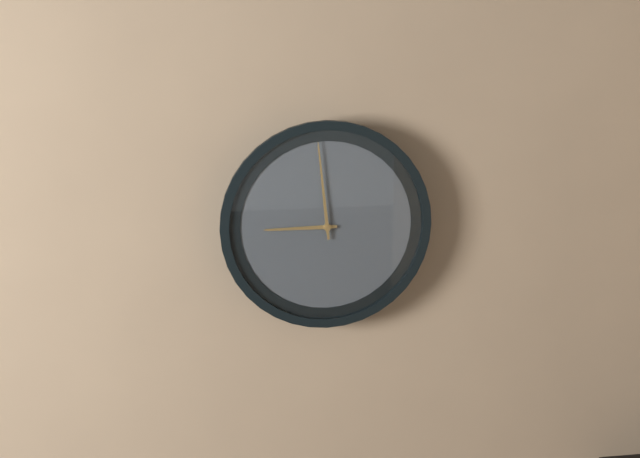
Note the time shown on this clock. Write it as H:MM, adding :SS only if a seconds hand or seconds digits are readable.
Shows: 8:59
